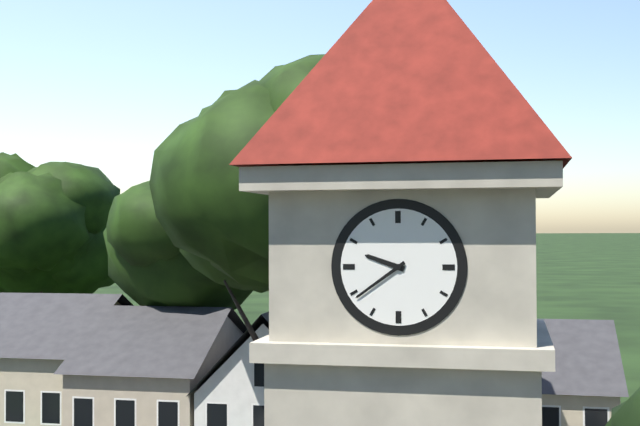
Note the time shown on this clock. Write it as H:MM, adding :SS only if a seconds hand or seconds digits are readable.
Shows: 9:39
